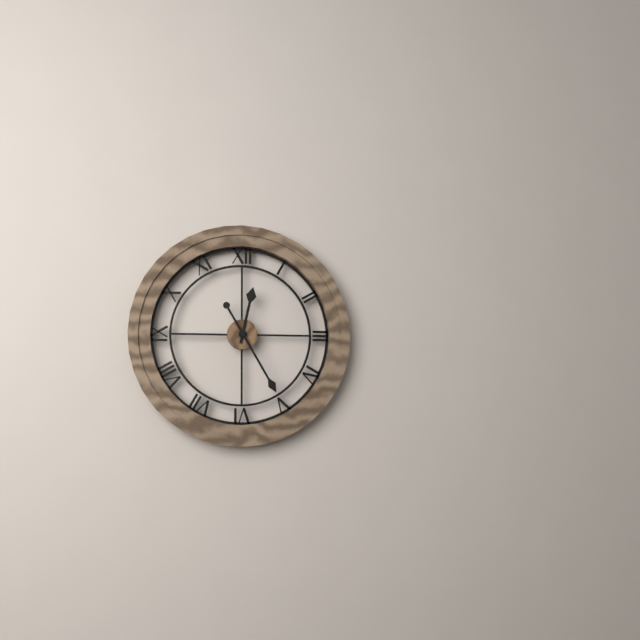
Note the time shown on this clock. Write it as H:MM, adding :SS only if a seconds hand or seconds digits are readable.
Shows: 12:25
